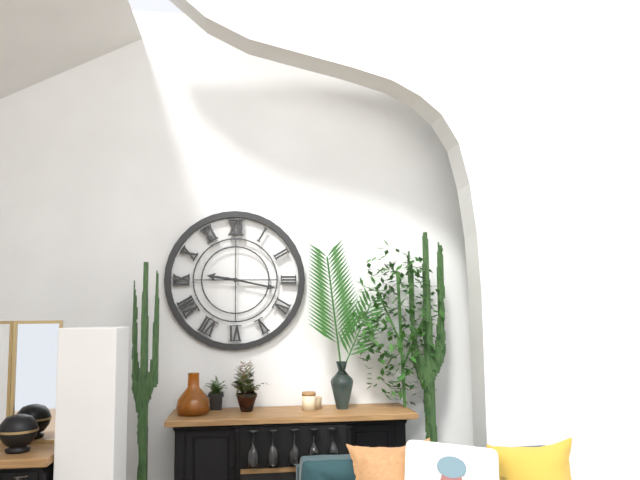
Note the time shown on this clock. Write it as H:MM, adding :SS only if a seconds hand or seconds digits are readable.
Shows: 9:17
